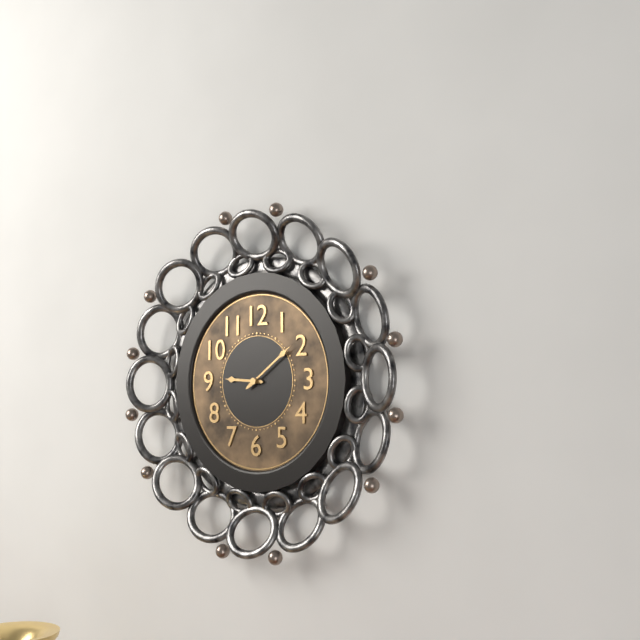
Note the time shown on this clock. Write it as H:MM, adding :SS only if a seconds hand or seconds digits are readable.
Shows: 9:09
